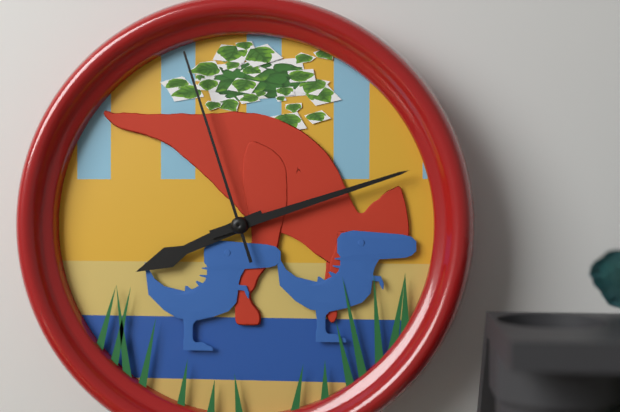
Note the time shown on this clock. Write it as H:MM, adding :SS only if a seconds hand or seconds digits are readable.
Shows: 8:12:57
